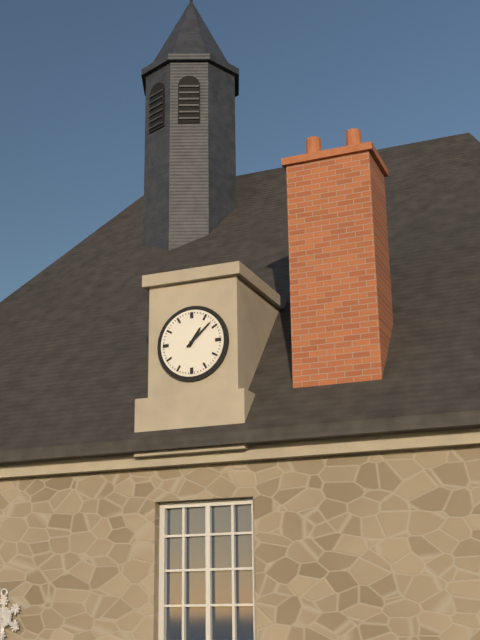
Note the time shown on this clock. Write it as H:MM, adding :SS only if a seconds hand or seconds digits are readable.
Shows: 1:08
